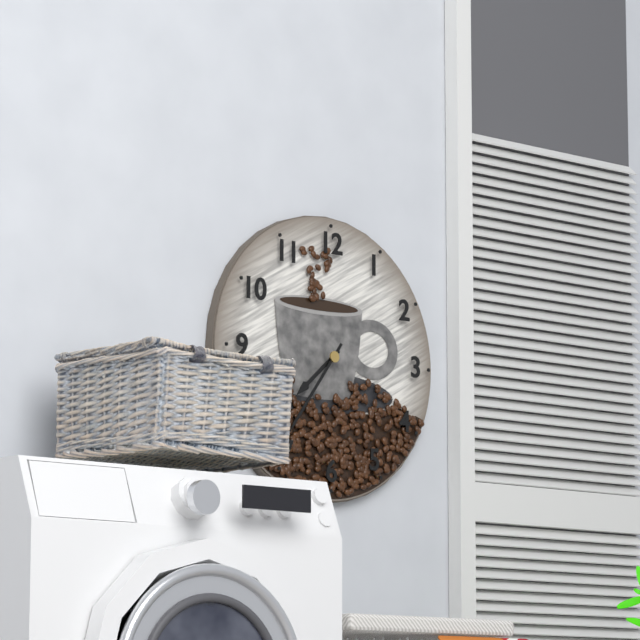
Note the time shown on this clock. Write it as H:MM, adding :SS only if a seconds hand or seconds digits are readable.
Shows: 7:36
